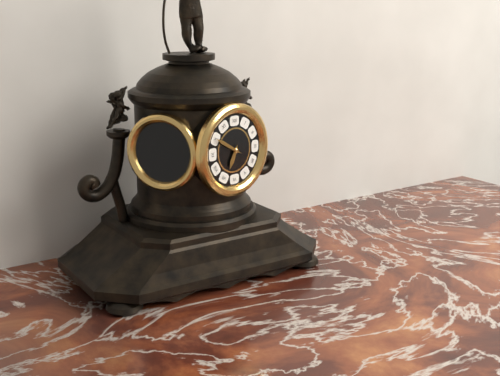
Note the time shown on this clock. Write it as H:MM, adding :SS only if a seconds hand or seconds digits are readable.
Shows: 6:50
